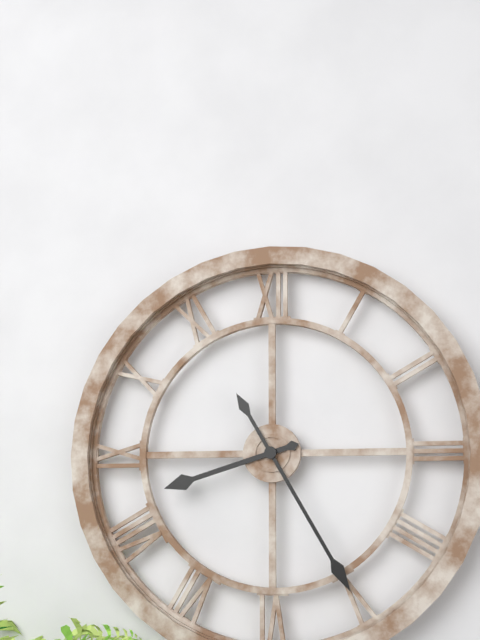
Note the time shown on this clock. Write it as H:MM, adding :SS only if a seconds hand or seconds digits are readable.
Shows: 8:25
